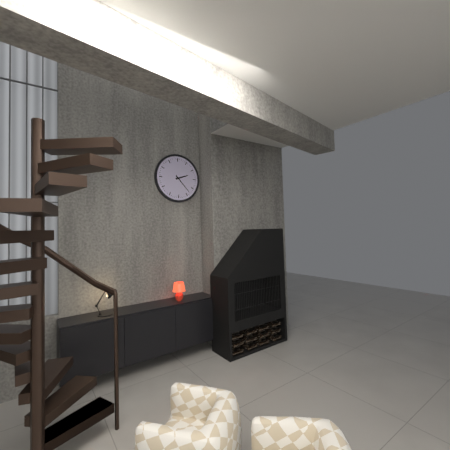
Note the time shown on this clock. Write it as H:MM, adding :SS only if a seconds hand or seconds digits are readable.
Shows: 2:23
